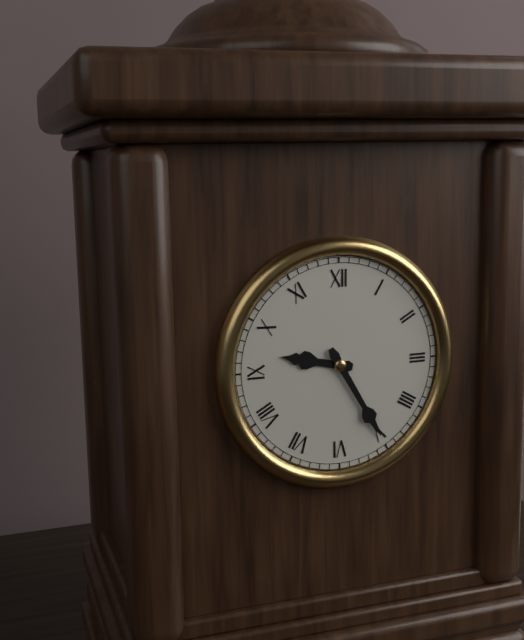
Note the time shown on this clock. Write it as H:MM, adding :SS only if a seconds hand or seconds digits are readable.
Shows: 9:25
